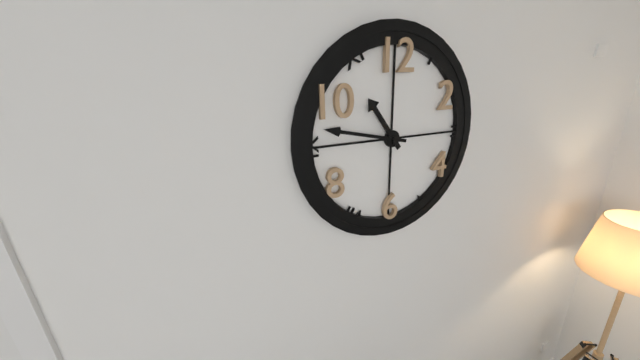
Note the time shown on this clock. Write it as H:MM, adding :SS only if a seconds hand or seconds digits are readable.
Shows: 10:47
